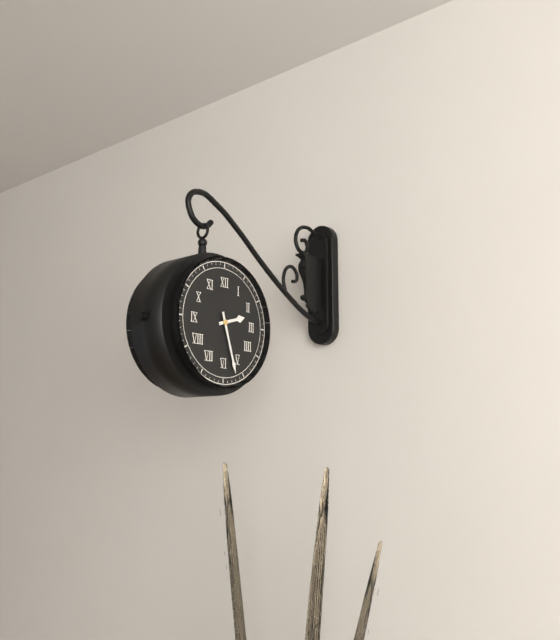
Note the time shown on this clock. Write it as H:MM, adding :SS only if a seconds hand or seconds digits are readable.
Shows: 2:27
